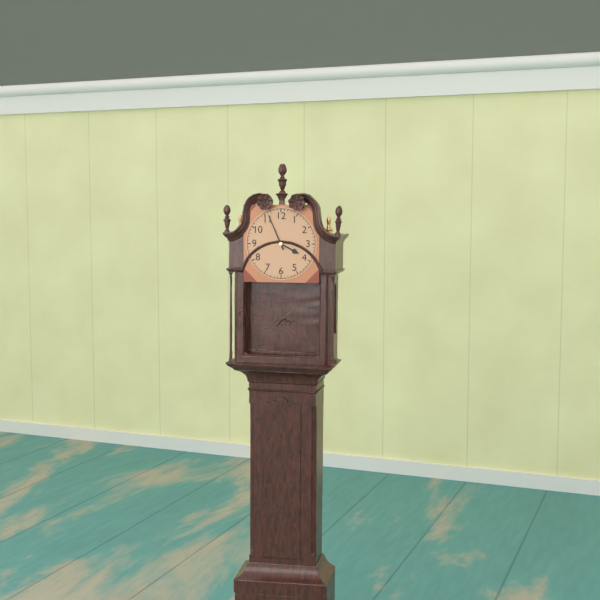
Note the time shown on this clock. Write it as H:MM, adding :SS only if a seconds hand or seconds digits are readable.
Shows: 3:56
